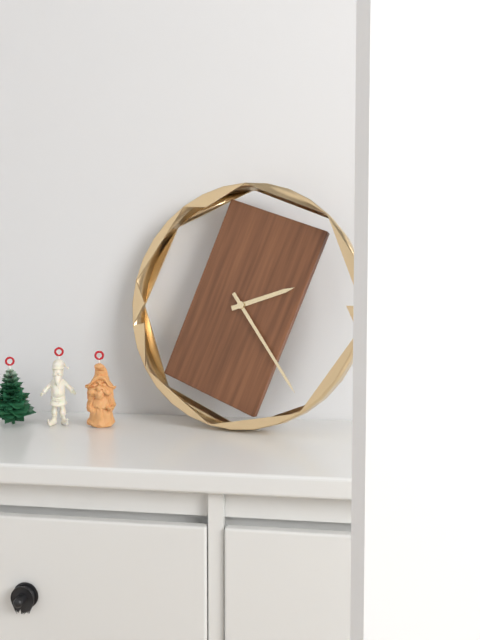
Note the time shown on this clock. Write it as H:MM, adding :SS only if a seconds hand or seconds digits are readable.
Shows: 2:24
